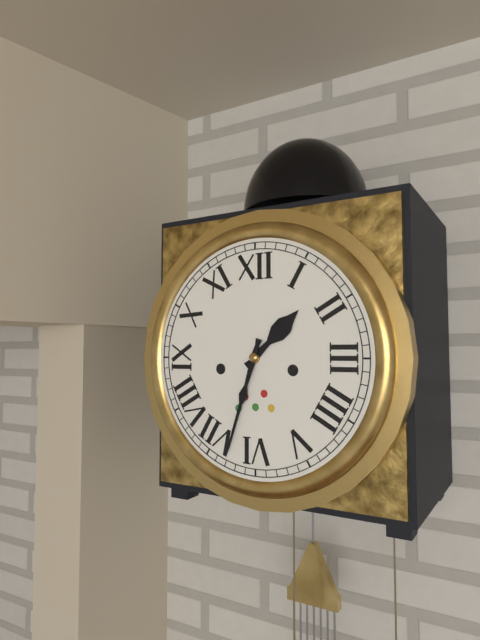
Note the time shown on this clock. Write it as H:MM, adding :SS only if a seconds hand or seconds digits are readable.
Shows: 1:33
